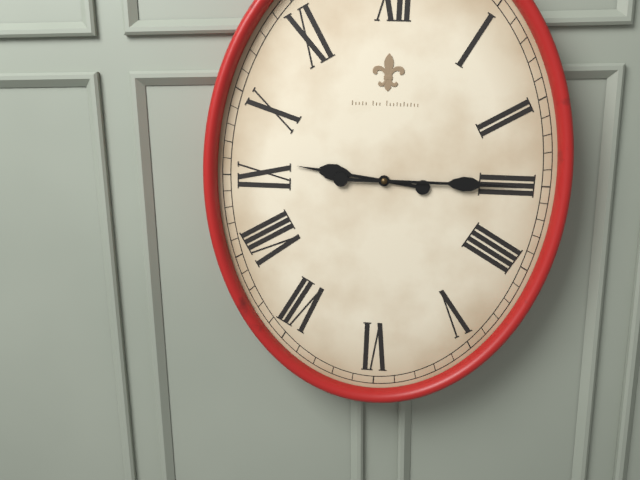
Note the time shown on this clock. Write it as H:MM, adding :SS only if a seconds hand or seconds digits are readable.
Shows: 9:15
